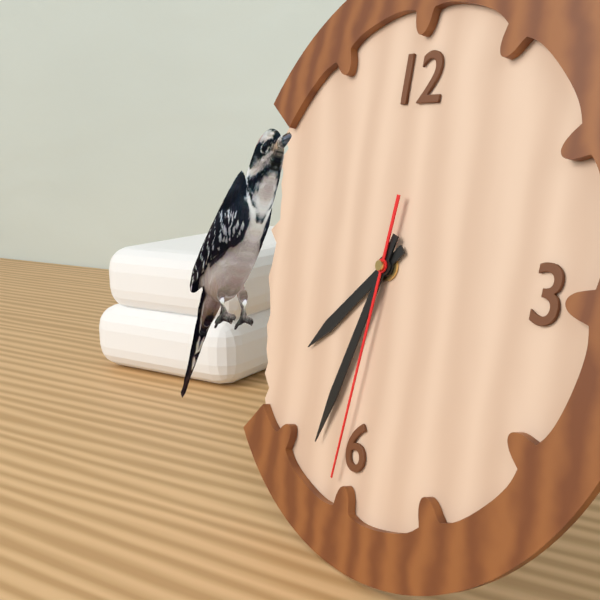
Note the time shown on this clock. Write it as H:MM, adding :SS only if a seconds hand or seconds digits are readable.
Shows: 7:33:31
